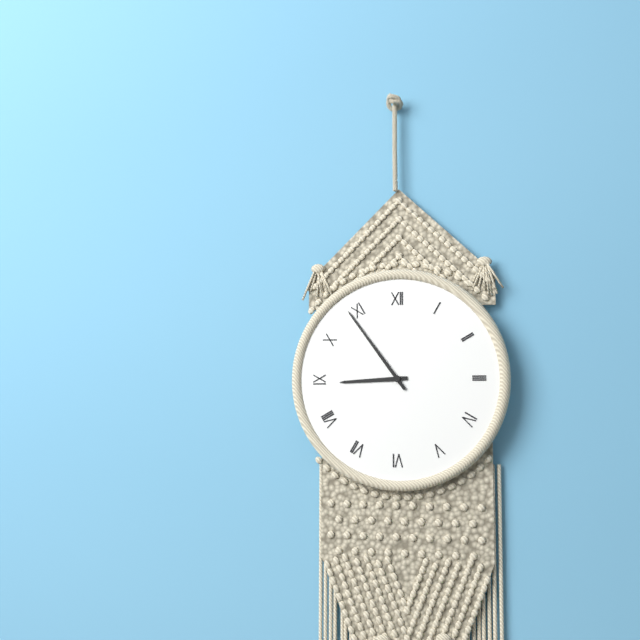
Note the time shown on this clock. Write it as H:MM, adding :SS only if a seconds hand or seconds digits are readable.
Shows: 8:54
